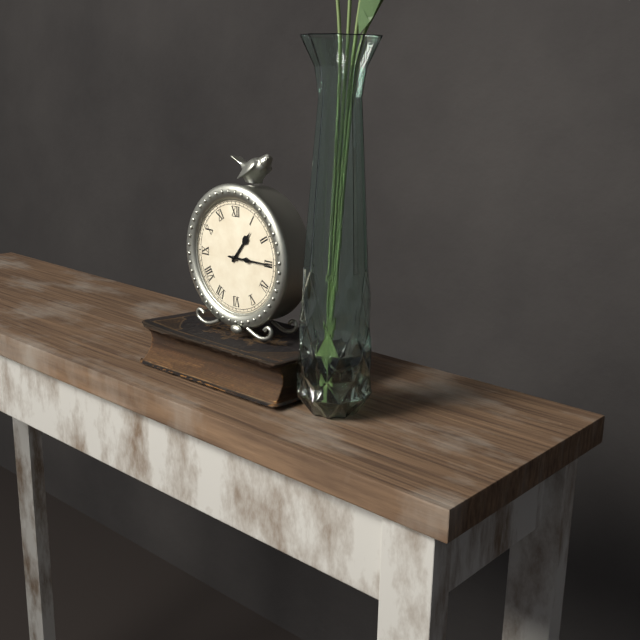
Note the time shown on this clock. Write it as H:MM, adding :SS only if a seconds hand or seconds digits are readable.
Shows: 1:15
